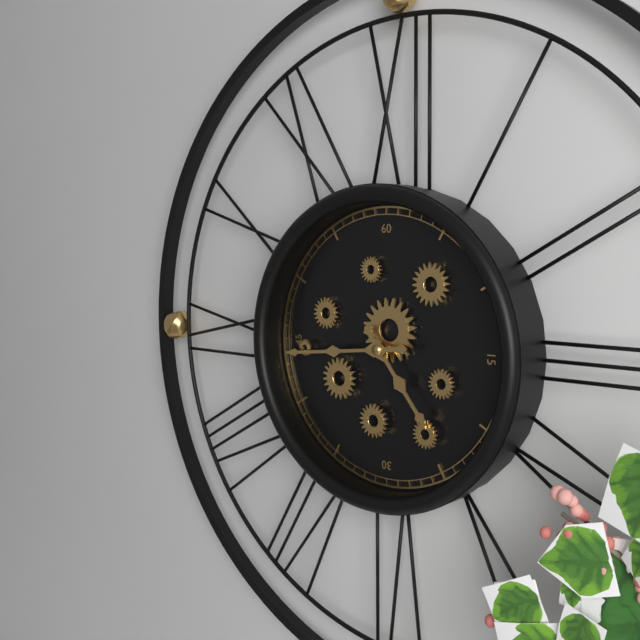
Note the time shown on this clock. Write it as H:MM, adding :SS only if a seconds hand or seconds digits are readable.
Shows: 4:44
